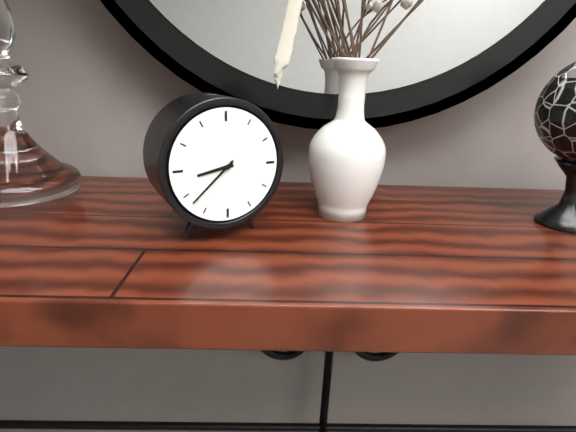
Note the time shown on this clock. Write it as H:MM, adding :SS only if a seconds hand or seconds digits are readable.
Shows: 8:38
